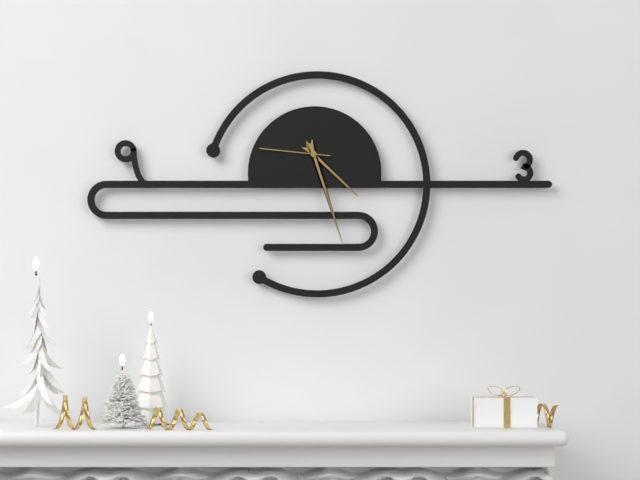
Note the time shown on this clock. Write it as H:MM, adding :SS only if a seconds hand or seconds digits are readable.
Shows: 4:27:46
